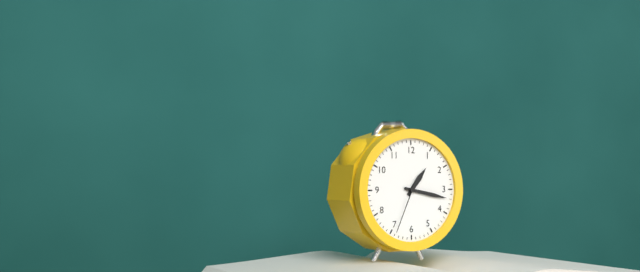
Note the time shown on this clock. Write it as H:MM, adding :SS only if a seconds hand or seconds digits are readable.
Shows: 1:17:34
